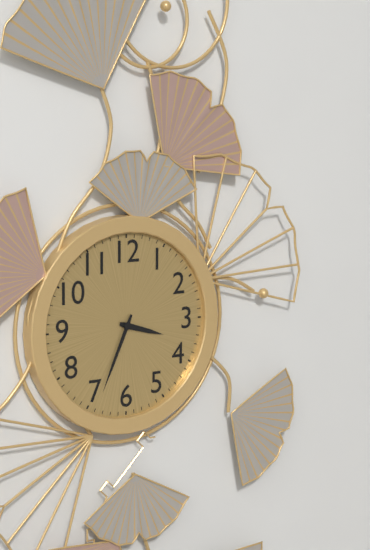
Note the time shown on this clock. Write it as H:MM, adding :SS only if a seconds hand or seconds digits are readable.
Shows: 3:34
